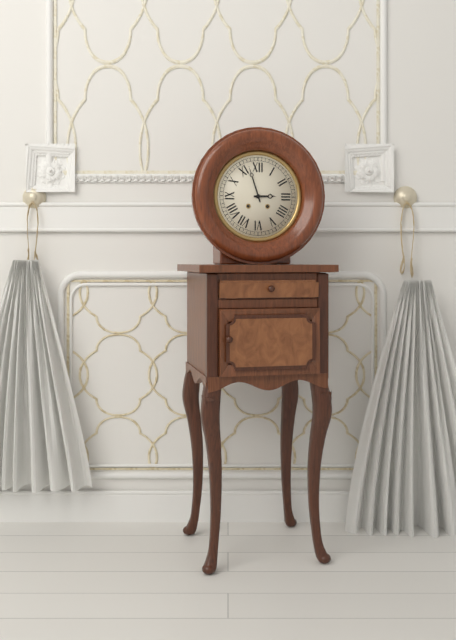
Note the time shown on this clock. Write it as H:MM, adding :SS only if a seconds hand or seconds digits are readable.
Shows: 2:57
